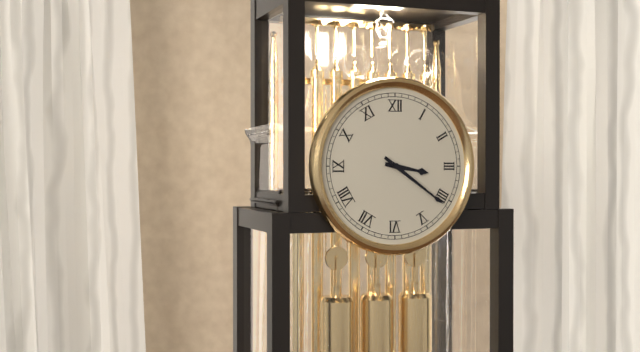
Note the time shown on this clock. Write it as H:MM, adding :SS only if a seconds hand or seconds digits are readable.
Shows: 3:21
